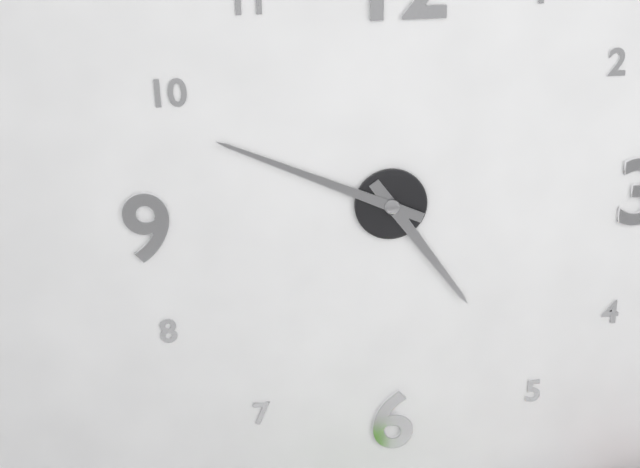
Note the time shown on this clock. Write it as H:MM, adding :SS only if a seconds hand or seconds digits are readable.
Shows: 4:49
